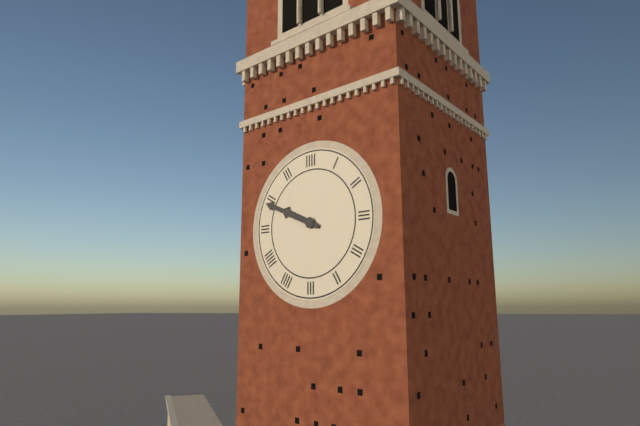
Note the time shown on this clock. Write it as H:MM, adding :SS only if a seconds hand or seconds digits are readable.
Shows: 9:49
